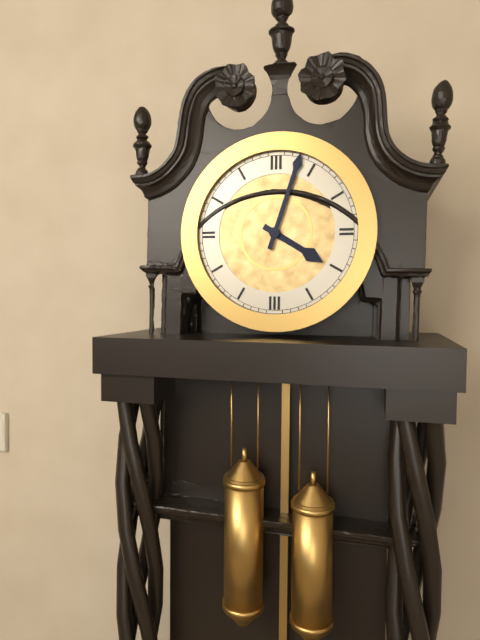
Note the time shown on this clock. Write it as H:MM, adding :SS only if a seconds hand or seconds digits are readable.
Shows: 4:03
